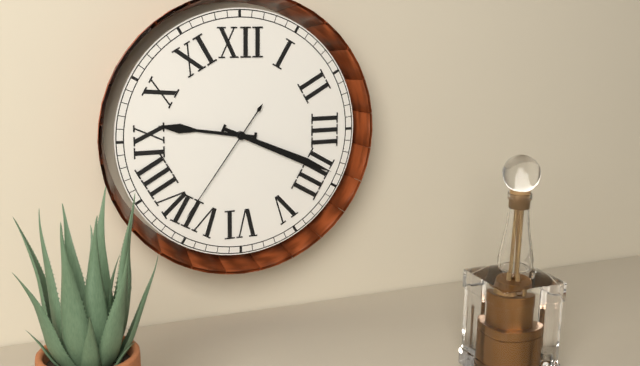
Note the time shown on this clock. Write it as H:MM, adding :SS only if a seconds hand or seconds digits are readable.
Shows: 9:19:36
